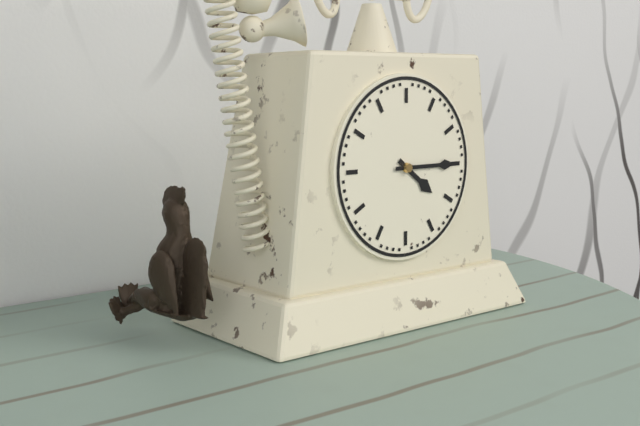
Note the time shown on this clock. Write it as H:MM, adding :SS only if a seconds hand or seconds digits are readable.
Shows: 4:15
